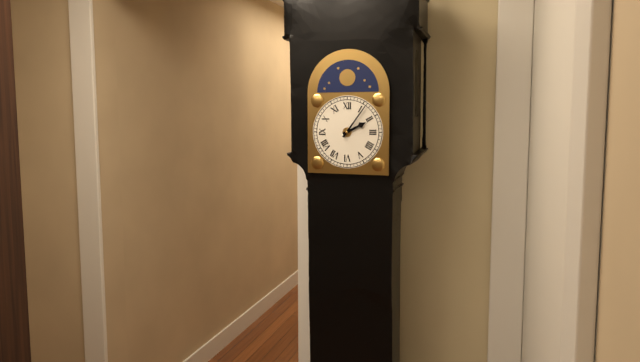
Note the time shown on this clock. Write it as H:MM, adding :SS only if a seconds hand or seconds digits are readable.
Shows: 2:06
